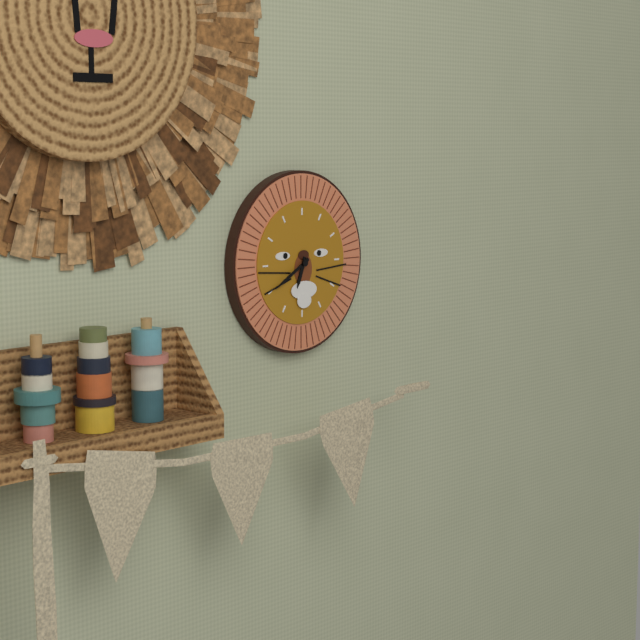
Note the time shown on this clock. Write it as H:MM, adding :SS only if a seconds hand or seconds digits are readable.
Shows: 6:40
